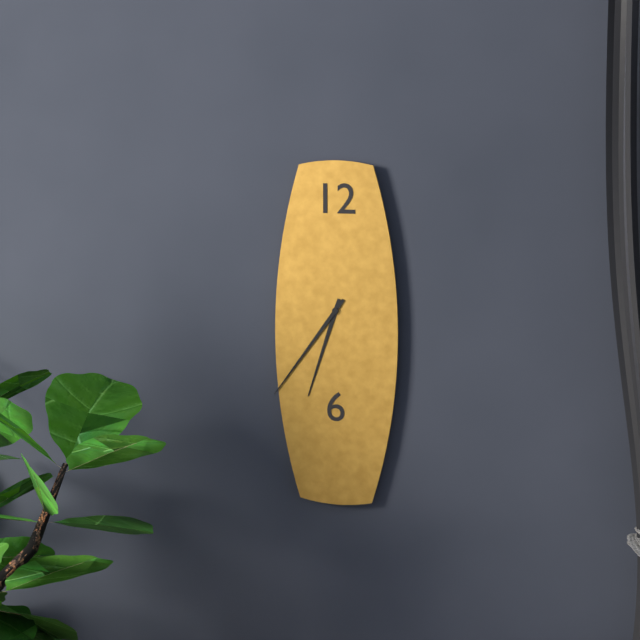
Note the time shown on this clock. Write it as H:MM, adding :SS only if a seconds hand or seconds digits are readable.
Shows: 6:36
